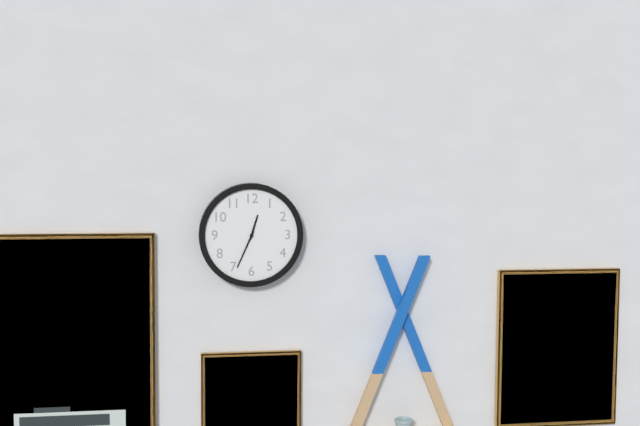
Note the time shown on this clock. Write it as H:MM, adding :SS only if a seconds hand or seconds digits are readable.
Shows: 12:34
